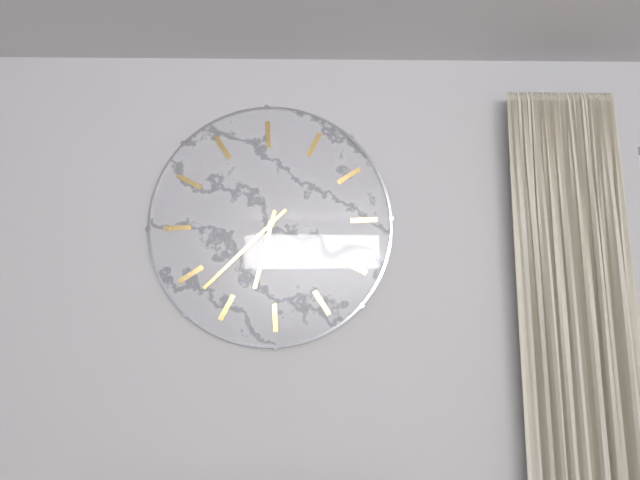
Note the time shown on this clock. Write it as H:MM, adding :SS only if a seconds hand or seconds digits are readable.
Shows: 5:33
